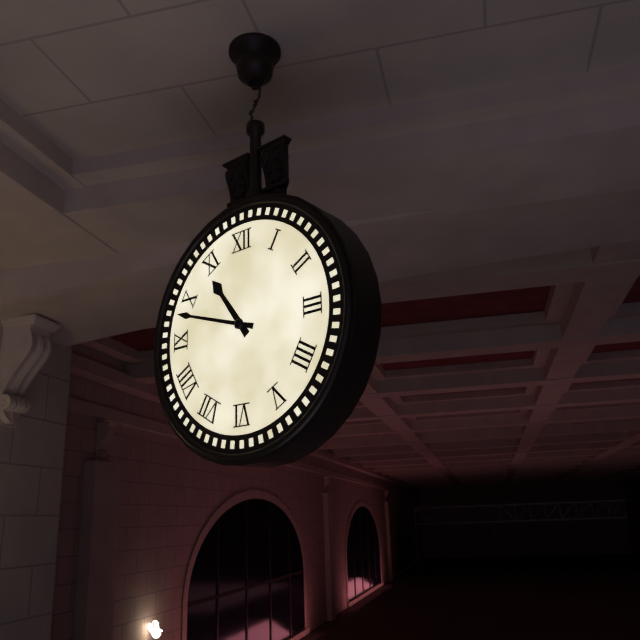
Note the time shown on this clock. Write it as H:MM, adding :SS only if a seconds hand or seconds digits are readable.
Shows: 10:48
